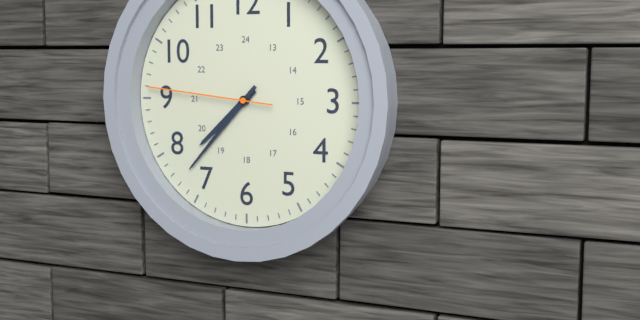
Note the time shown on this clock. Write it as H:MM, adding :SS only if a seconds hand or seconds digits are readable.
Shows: 7:37:46
